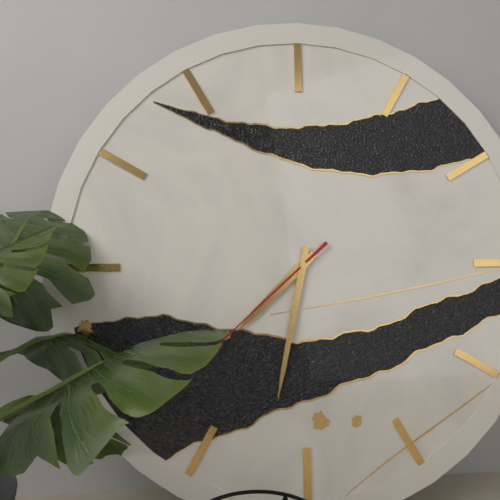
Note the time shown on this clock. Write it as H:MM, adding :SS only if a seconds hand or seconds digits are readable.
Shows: 7:32:38
